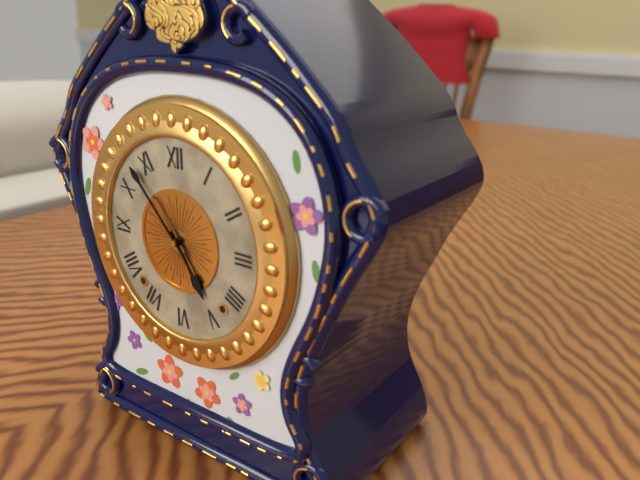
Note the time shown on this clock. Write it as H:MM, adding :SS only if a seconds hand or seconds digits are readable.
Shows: 4:53
